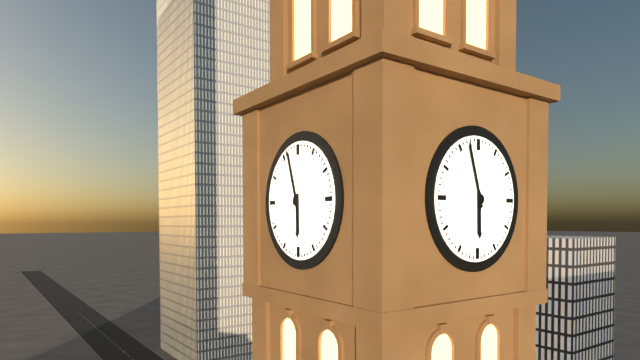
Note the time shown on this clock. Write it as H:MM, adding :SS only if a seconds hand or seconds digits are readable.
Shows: 5:57
